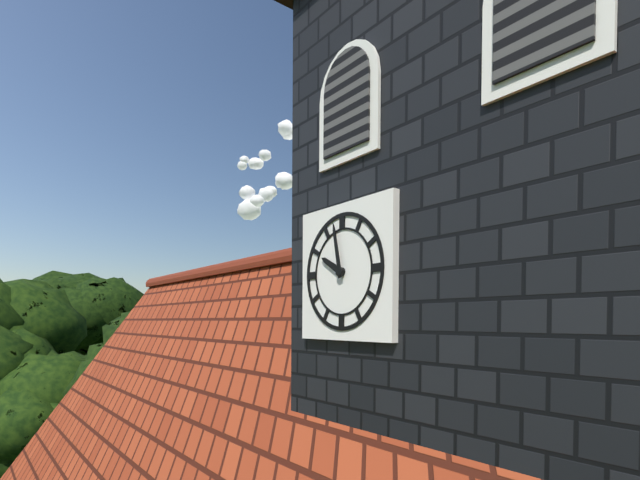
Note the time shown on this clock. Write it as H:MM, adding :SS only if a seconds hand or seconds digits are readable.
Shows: 9:58
